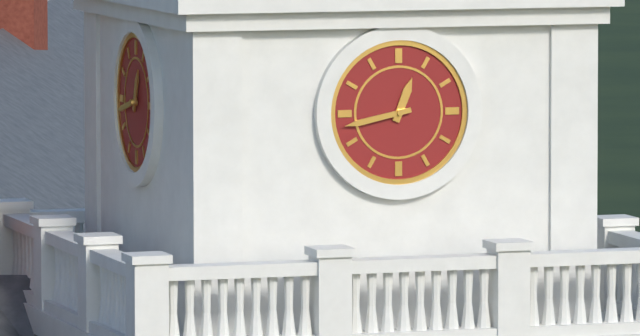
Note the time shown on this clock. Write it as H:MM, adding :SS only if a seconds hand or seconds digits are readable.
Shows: 12:43
